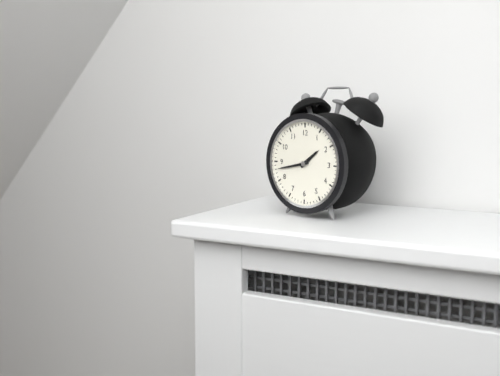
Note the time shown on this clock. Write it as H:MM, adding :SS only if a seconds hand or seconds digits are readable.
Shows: 1:43
